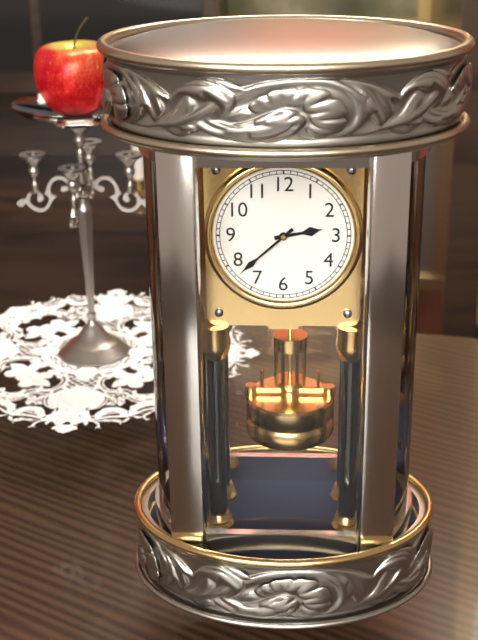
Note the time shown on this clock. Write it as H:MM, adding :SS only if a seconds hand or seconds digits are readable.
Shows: 2:38
